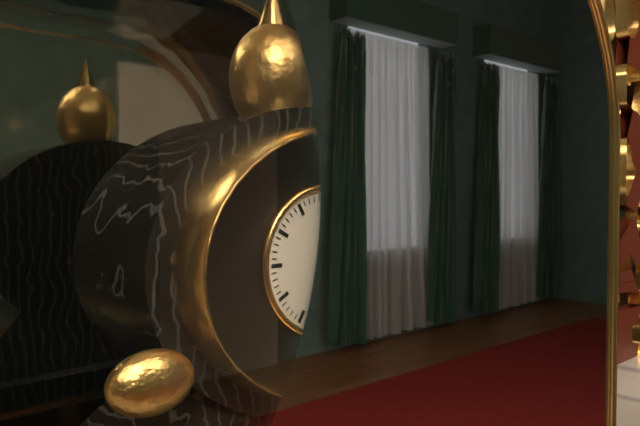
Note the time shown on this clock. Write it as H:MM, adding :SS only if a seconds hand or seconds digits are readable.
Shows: 3:04
